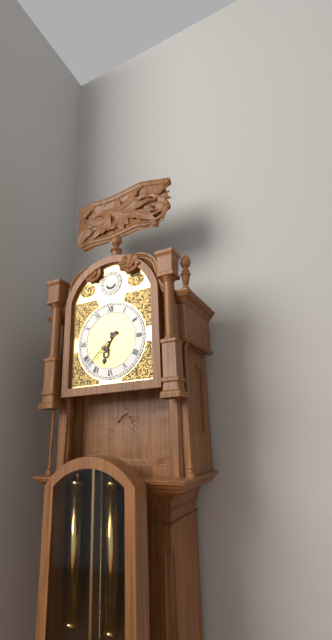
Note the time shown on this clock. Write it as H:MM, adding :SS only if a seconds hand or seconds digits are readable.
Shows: 6:38
